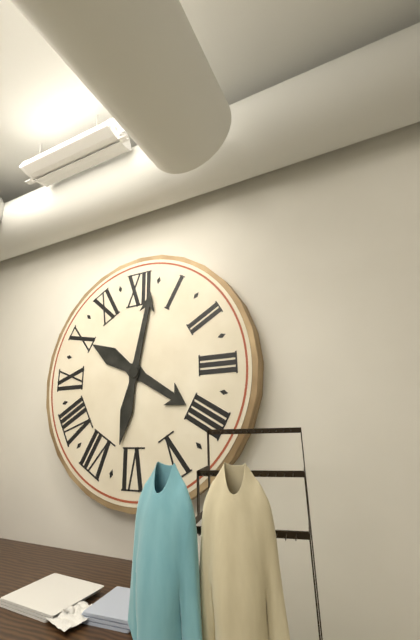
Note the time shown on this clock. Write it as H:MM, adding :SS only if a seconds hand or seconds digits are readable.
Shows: 4:02
